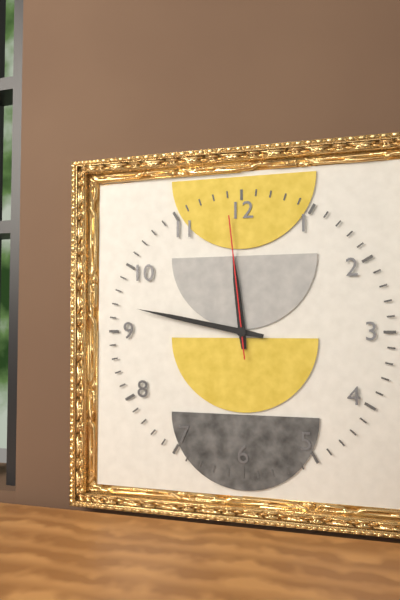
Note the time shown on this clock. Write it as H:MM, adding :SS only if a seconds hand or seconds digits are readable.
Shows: 11:47:59
